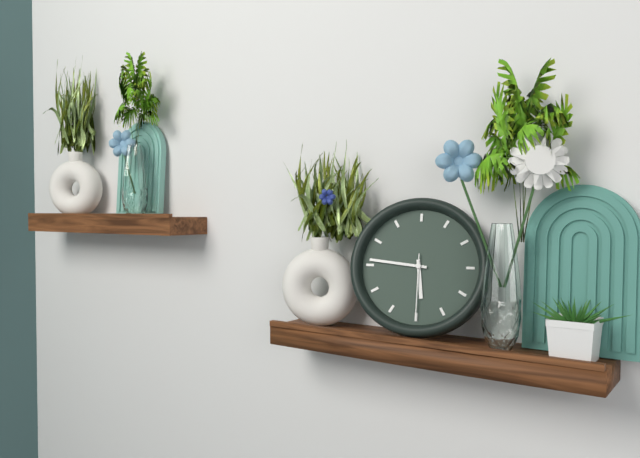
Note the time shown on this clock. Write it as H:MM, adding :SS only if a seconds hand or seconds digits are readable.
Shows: 5:46:30
